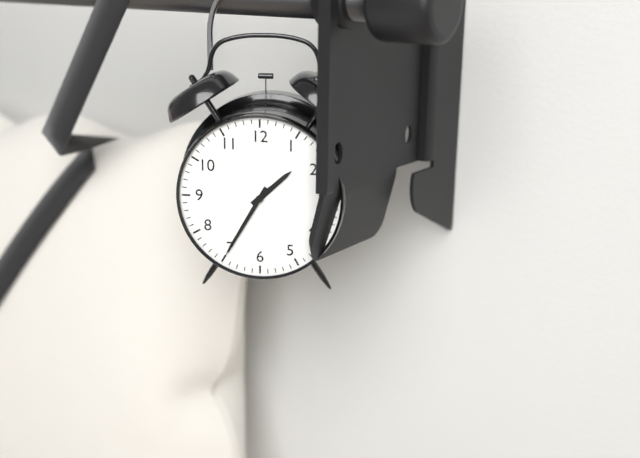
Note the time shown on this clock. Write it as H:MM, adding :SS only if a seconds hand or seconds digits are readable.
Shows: 1:35
